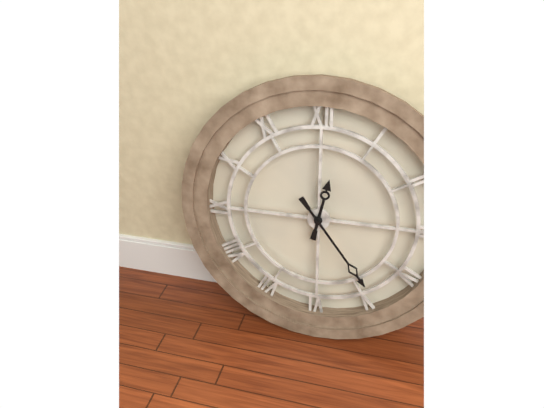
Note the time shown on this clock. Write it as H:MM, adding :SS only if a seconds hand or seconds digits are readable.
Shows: 12:24
